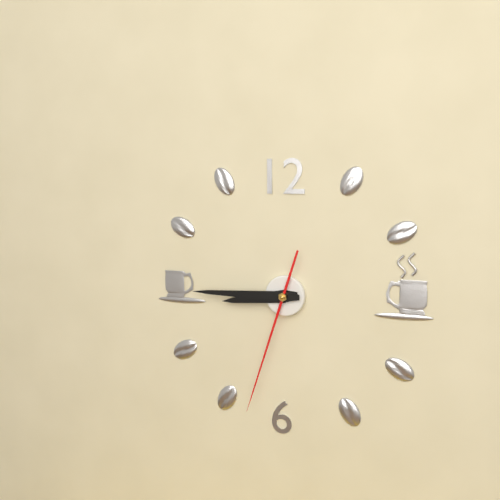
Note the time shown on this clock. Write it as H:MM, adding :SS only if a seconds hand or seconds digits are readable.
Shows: 8:45:33
